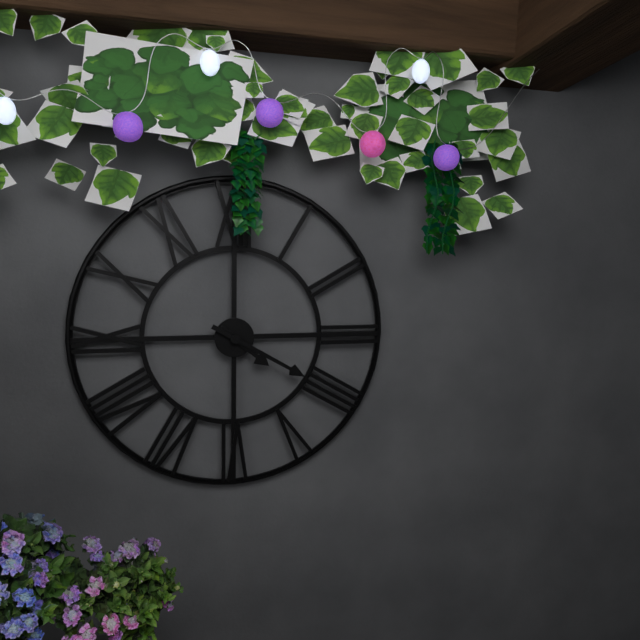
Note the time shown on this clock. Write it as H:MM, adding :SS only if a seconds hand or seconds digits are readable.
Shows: 4:20
